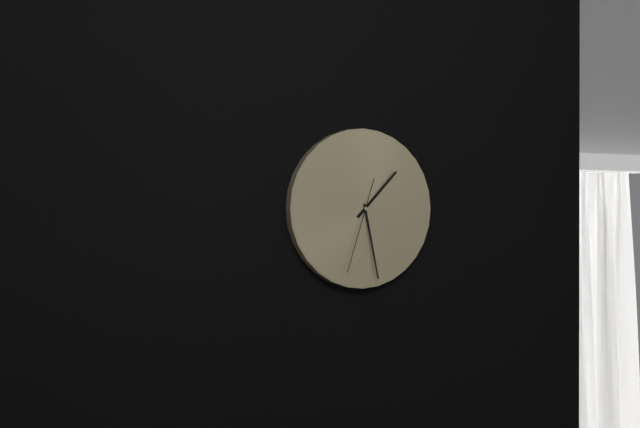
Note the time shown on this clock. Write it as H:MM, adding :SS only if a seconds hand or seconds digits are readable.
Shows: 1:28:33
